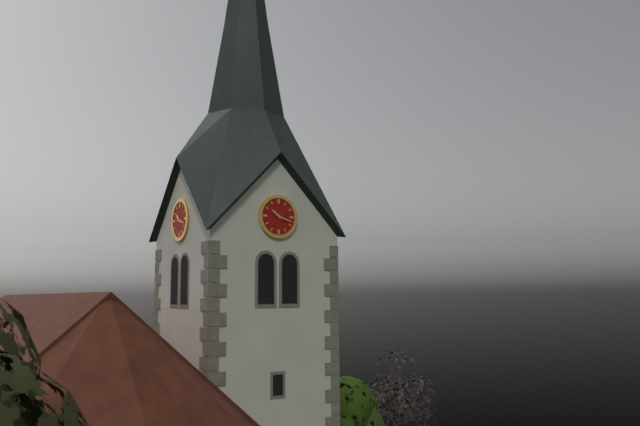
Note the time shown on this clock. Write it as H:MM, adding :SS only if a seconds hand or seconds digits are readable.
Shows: 10:18
